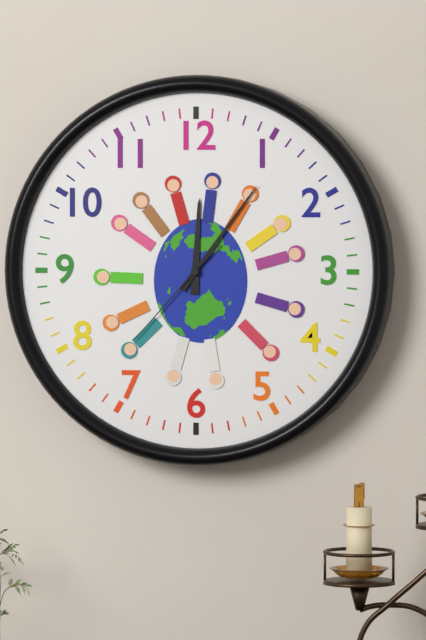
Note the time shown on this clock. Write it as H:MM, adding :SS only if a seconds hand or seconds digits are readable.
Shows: 12:06:37
